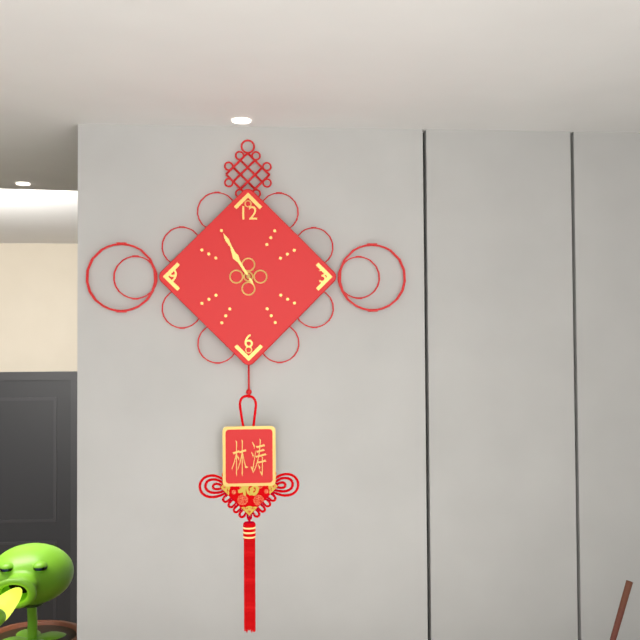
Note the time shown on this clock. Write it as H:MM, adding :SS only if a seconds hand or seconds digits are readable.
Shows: 10:55
